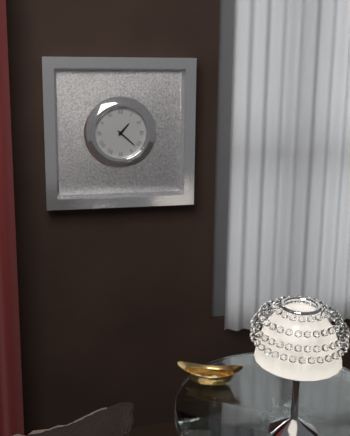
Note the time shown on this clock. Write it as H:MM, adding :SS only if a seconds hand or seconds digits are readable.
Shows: 1:22
